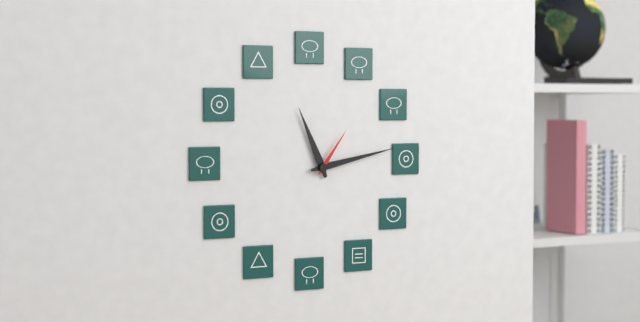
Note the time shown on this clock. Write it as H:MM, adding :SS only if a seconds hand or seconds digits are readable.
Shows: 11:13:06
